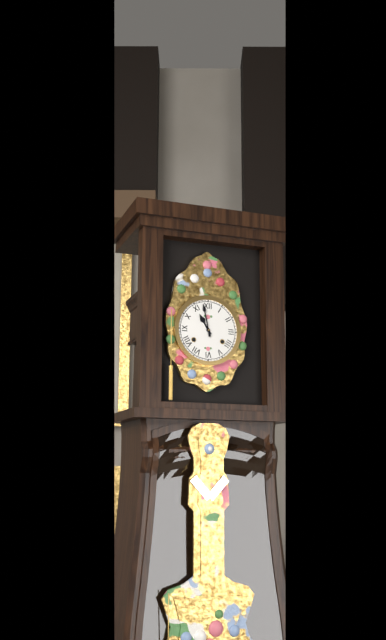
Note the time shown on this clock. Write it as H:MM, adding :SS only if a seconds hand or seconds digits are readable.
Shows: 10:58
